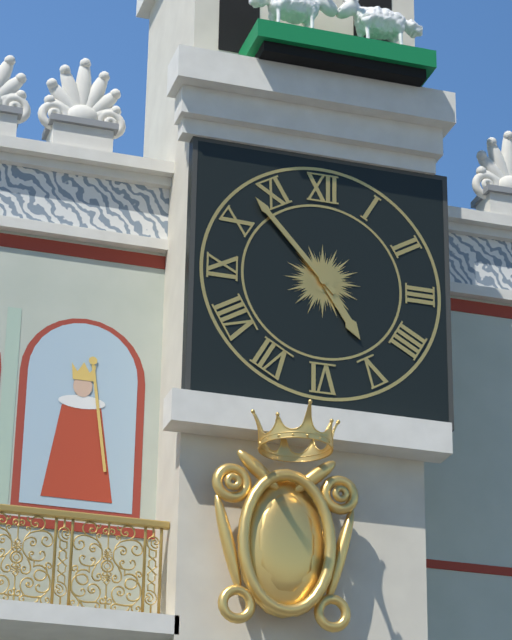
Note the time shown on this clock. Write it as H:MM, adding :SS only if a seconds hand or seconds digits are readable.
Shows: 4:53
